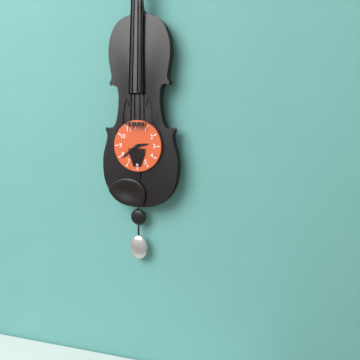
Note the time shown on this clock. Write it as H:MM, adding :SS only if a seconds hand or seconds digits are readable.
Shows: 2:39
